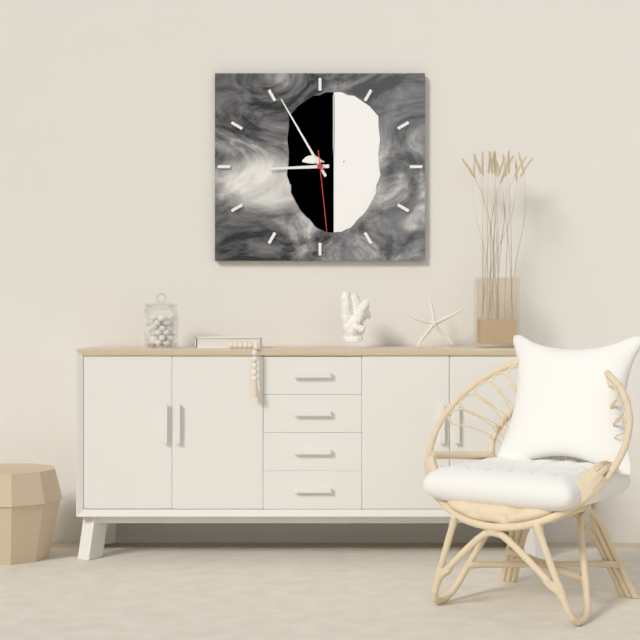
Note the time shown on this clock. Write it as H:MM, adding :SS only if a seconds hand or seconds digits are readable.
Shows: 8:55:29
